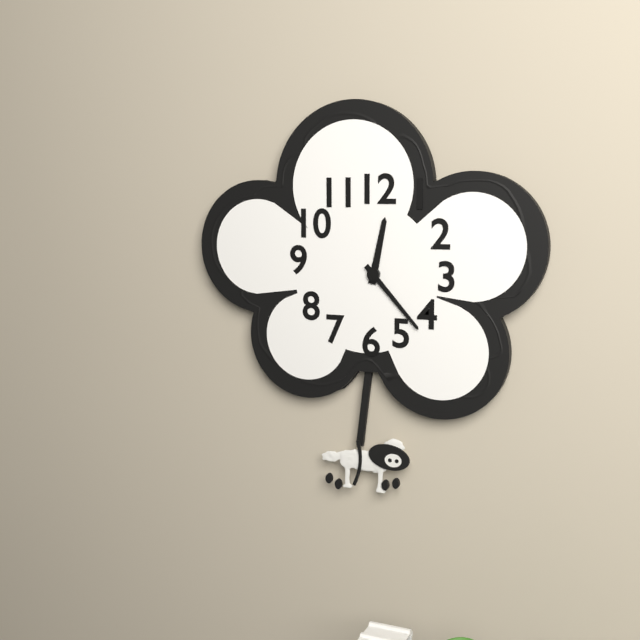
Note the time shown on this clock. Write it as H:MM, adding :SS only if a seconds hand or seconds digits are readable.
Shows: 12:23
